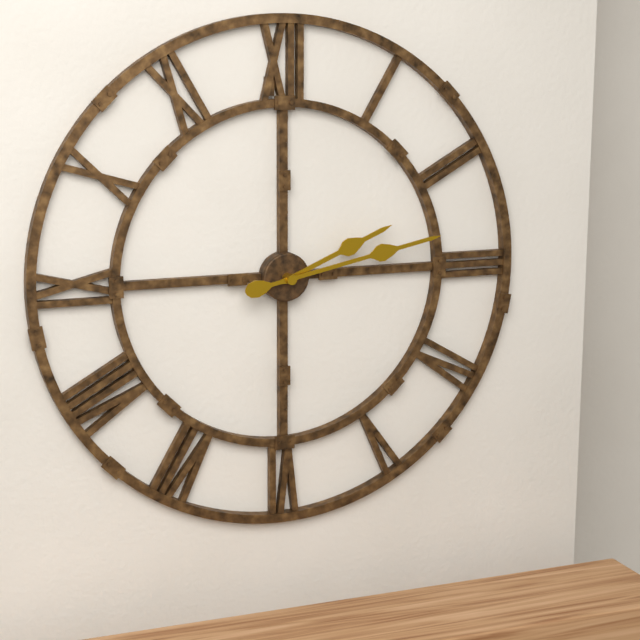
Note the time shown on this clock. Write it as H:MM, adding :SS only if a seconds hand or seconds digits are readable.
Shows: 2:13
